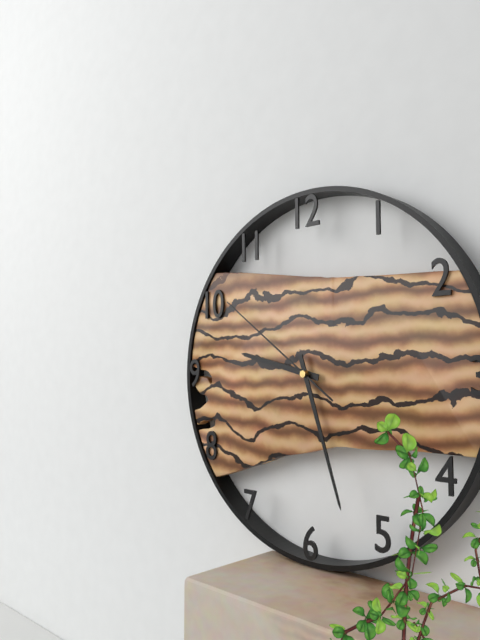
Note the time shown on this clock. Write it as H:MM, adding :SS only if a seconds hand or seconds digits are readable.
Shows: 9:27:51
